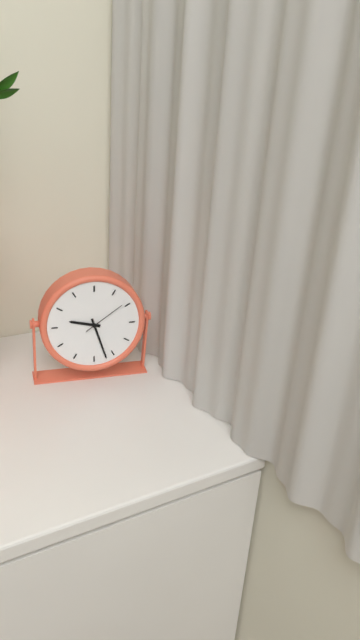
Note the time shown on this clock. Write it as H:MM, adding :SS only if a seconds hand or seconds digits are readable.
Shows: 9:27
